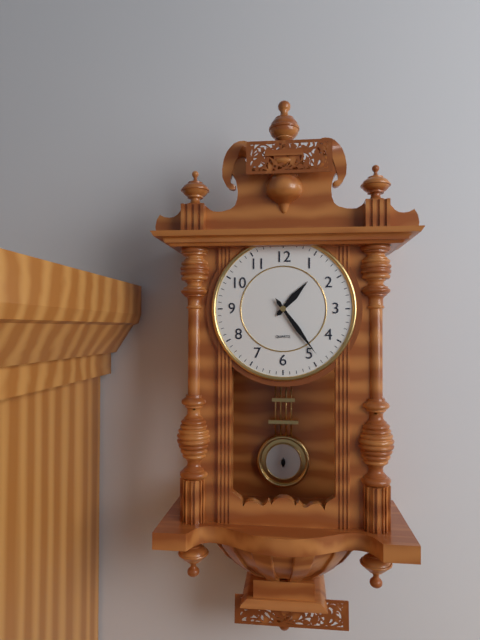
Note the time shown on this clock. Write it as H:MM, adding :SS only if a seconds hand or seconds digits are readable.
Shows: 1:24
